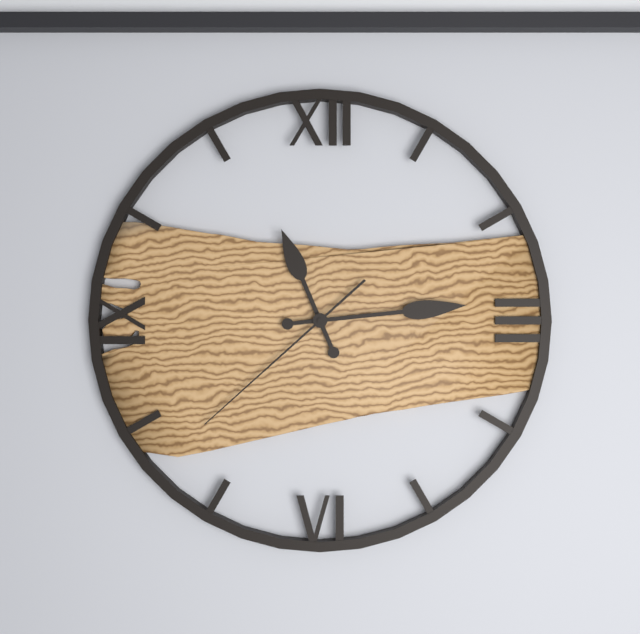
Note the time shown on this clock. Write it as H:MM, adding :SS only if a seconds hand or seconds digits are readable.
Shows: 11:14:38
